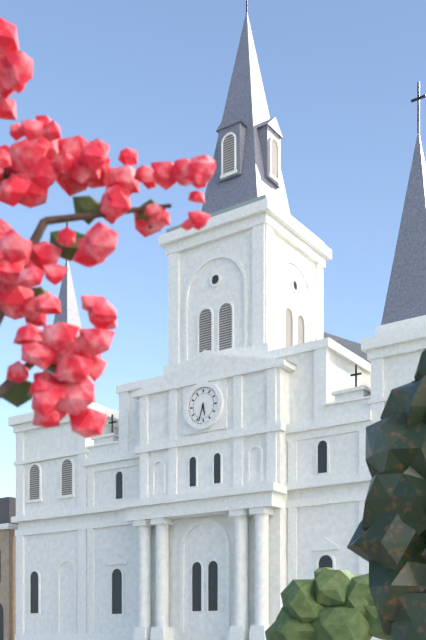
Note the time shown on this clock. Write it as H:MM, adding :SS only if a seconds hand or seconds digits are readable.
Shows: 5:33
